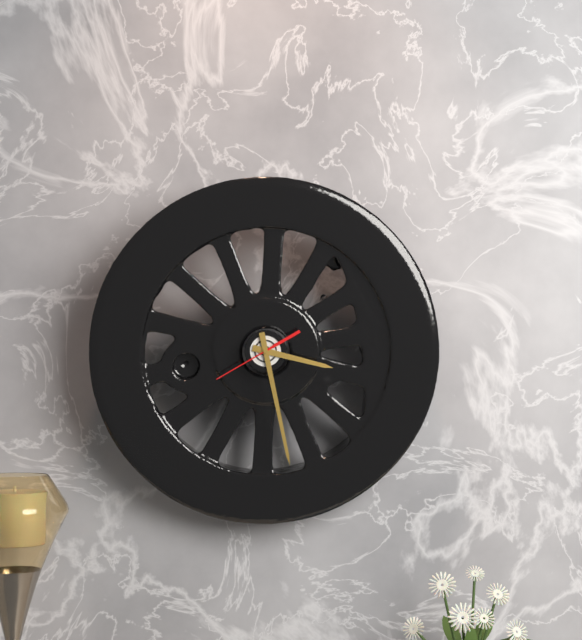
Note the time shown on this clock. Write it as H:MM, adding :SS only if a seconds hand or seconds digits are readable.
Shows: 3:28:40
